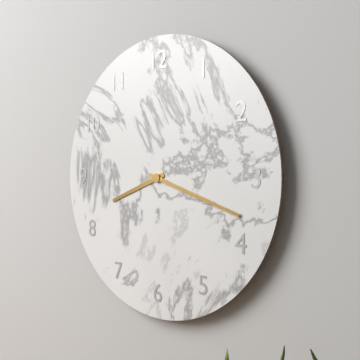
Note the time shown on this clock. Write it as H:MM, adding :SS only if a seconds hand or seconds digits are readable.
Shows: 8:18
